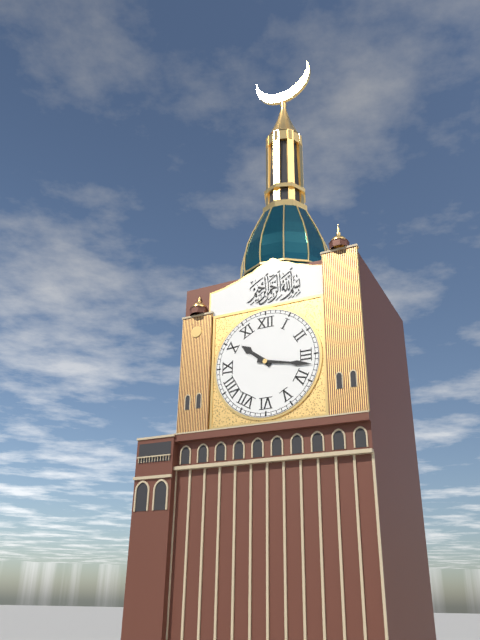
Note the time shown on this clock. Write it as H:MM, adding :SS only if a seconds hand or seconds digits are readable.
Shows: 10:17
